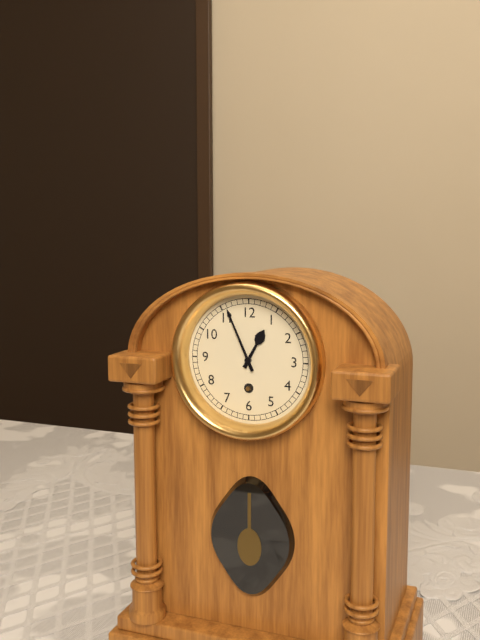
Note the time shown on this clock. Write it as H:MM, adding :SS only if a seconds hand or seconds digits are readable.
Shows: 12:56
